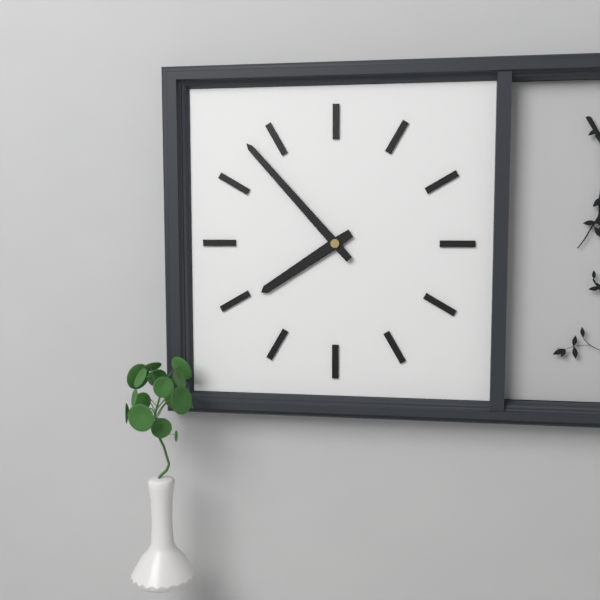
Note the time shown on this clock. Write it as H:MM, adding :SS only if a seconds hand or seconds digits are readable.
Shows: 7:53
